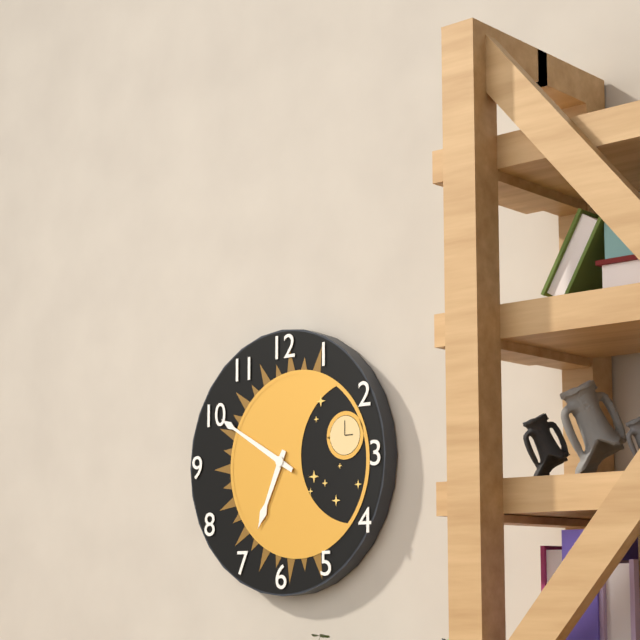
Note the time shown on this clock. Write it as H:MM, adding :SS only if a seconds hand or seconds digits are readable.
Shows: 6:50
